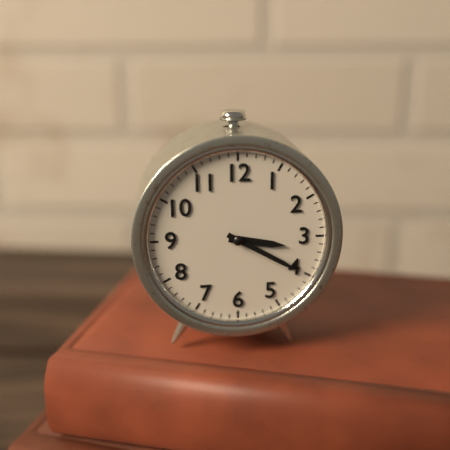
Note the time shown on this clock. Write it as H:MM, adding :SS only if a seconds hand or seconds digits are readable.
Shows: 3:20
